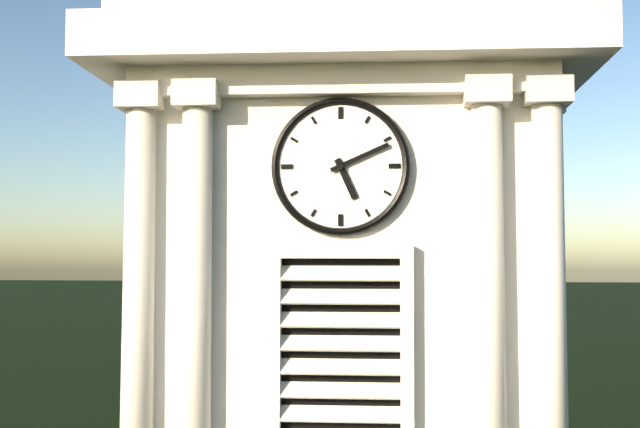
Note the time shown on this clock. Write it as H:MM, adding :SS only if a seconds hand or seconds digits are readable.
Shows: 5:11
